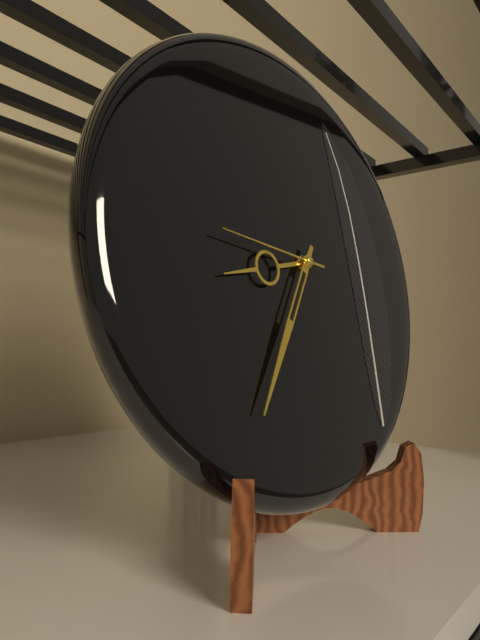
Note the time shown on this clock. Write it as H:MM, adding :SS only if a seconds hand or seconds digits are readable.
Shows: 8:35:46
